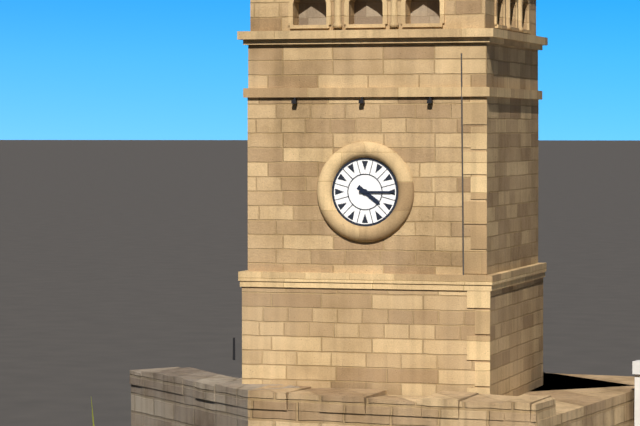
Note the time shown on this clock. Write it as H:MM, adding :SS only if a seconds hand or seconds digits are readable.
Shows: 4:15
